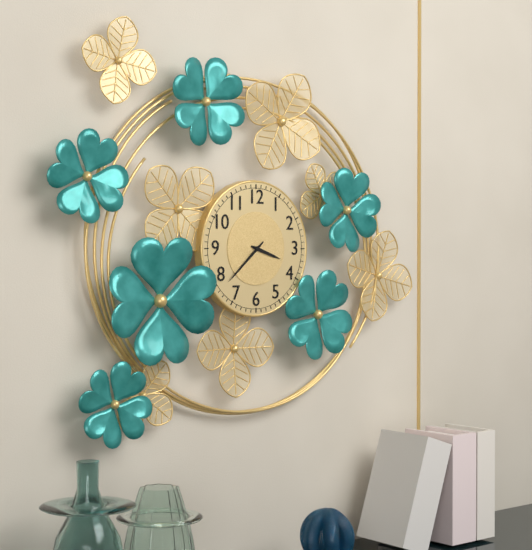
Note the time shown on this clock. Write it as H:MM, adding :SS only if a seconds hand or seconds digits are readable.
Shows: 3:38
